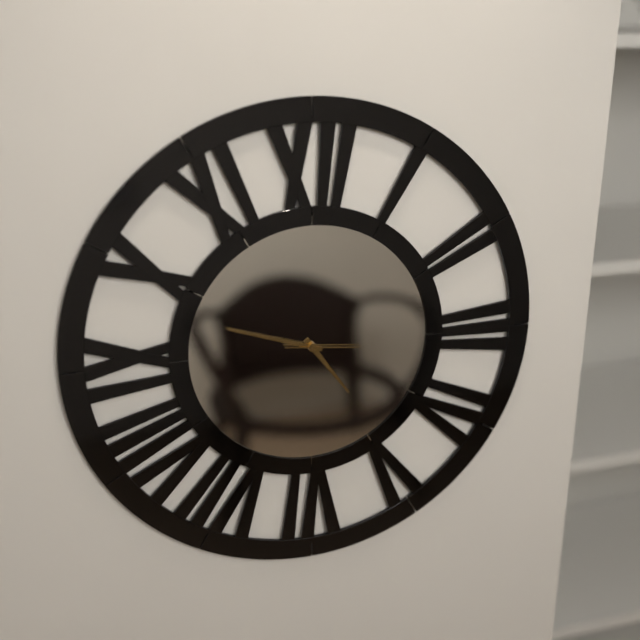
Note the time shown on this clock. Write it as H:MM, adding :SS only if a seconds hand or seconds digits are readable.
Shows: 4:48:16
